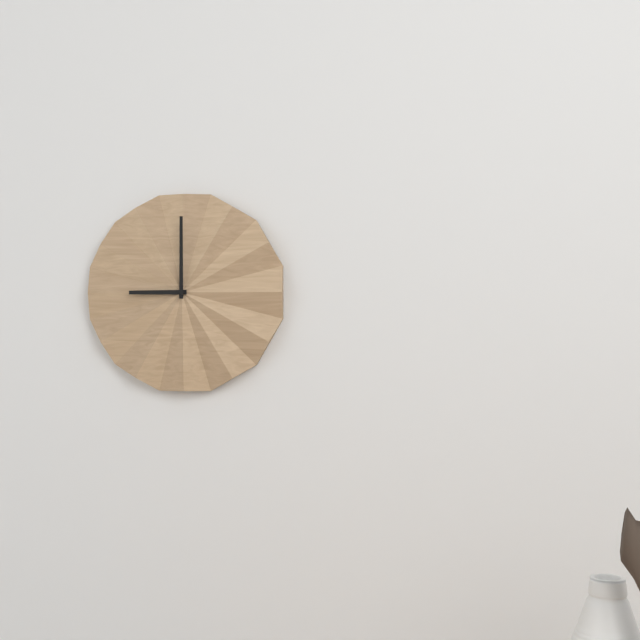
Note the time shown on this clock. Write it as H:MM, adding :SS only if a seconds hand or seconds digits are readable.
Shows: 9:00
